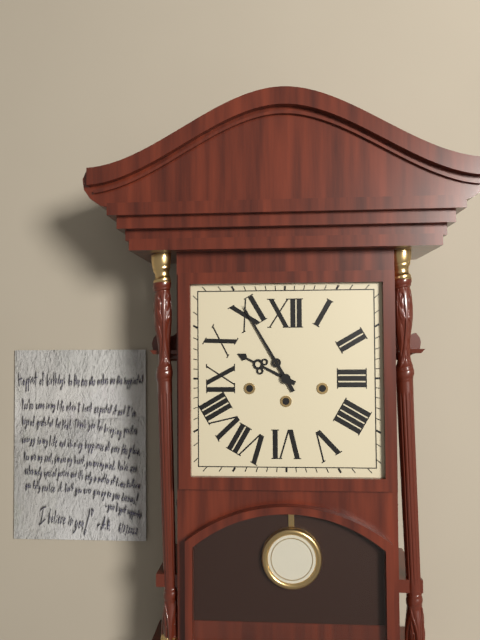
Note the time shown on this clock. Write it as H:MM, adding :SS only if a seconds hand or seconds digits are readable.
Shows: 9:55
